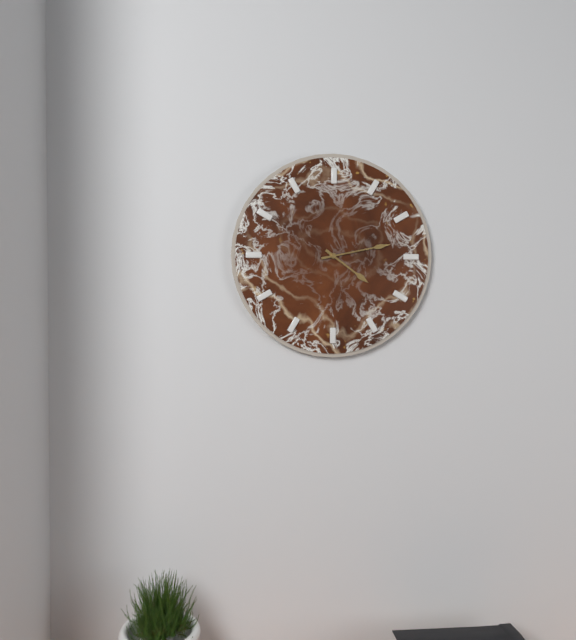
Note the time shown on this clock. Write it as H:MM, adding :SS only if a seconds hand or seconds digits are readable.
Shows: 4:13
